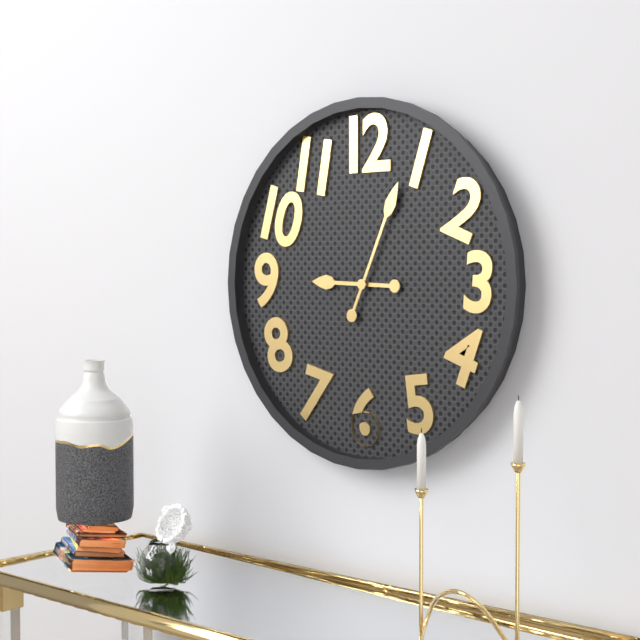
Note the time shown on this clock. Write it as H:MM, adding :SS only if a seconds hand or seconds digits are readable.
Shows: 9:04
